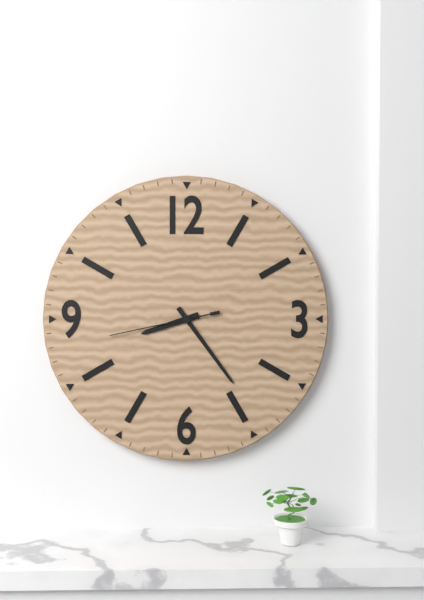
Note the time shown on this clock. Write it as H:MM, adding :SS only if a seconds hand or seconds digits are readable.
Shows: 8:24:43
